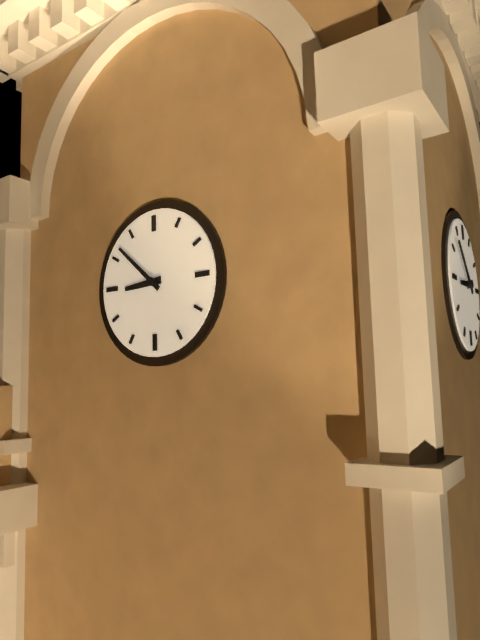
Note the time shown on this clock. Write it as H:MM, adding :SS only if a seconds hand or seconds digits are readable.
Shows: 8:52
